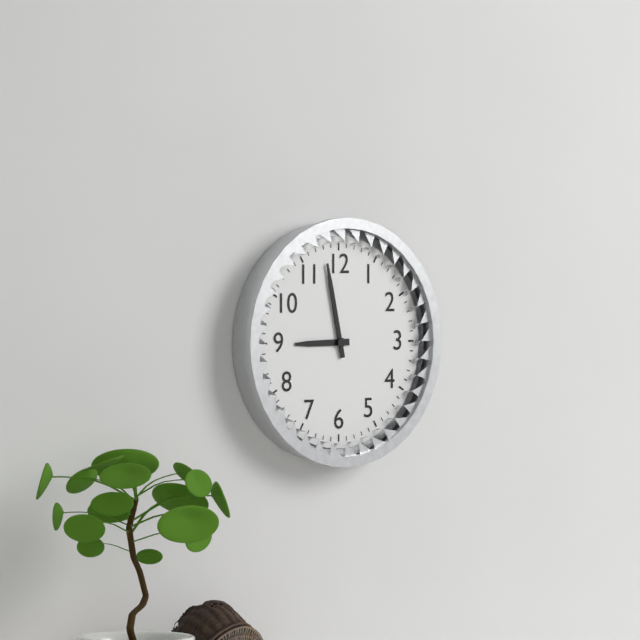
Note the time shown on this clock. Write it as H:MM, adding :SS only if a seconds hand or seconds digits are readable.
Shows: 8:58
